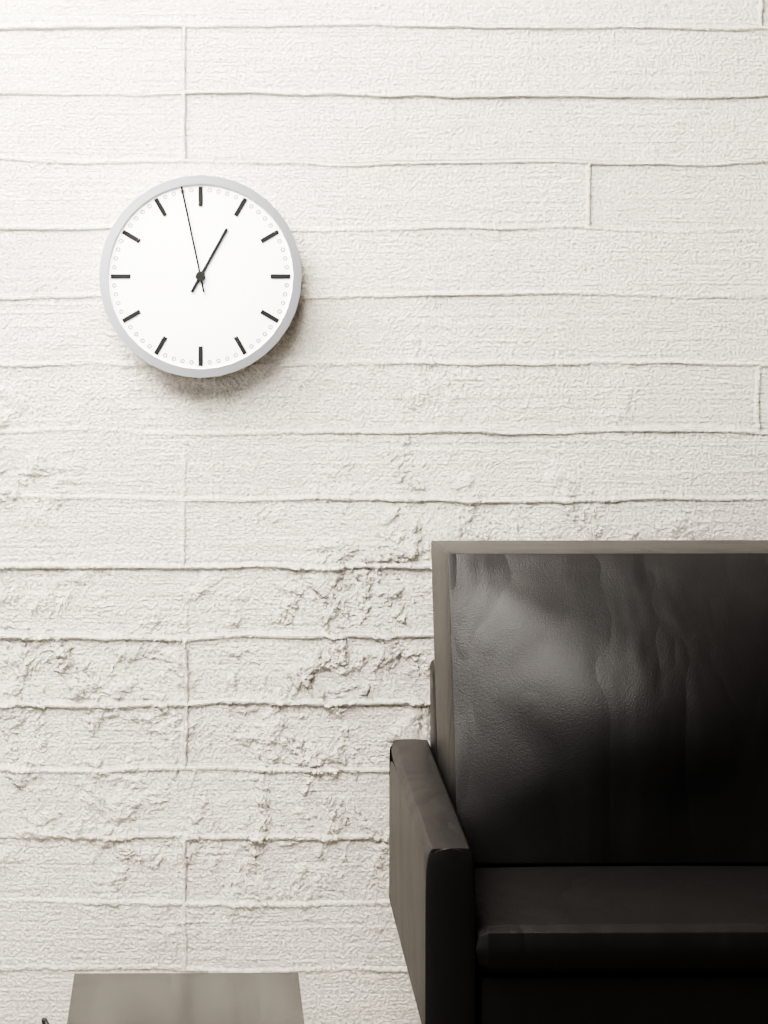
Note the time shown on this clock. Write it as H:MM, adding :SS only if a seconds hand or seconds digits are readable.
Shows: 12:58
